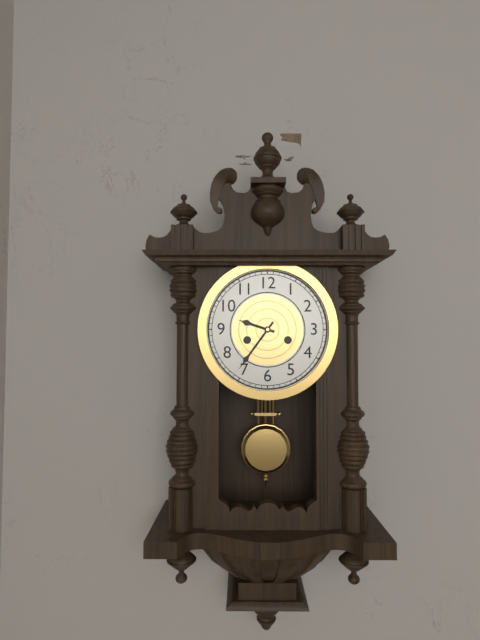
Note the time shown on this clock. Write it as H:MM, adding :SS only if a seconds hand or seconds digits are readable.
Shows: 9:36
